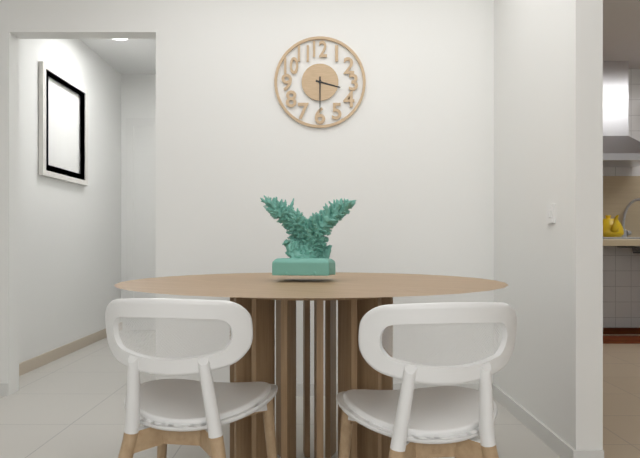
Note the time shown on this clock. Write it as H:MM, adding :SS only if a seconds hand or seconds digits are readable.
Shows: 3:30
